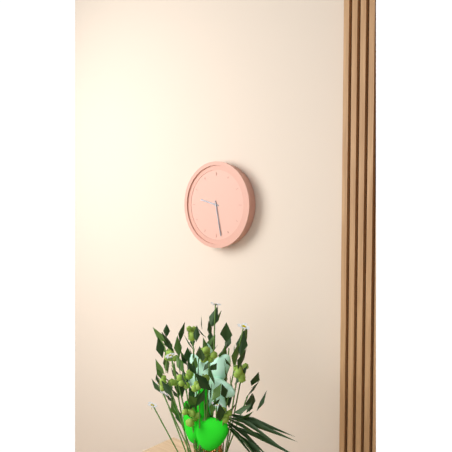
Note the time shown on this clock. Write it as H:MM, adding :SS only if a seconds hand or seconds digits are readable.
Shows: 9:28
